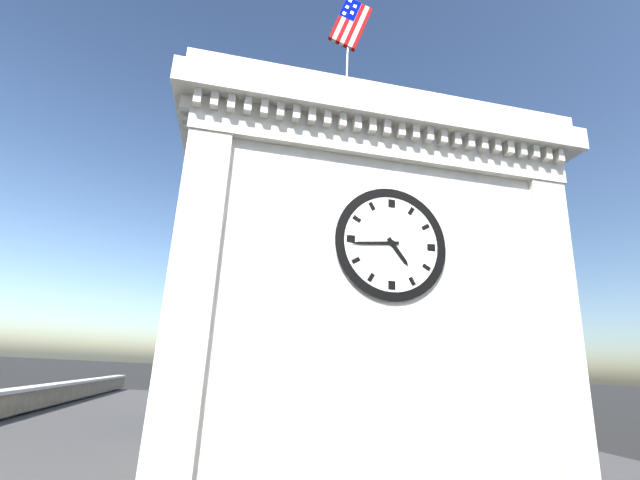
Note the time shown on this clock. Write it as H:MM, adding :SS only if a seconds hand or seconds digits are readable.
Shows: 4:44
